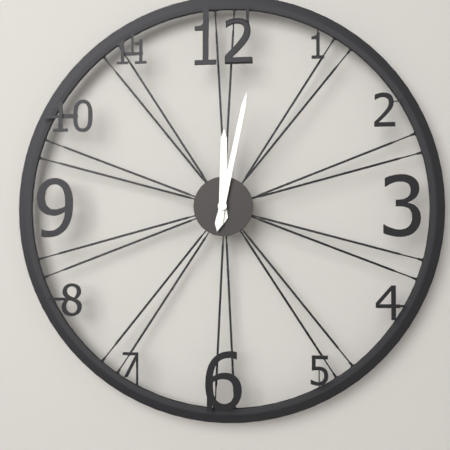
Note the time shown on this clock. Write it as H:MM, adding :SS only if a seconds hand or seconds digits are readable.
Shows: 12:02
